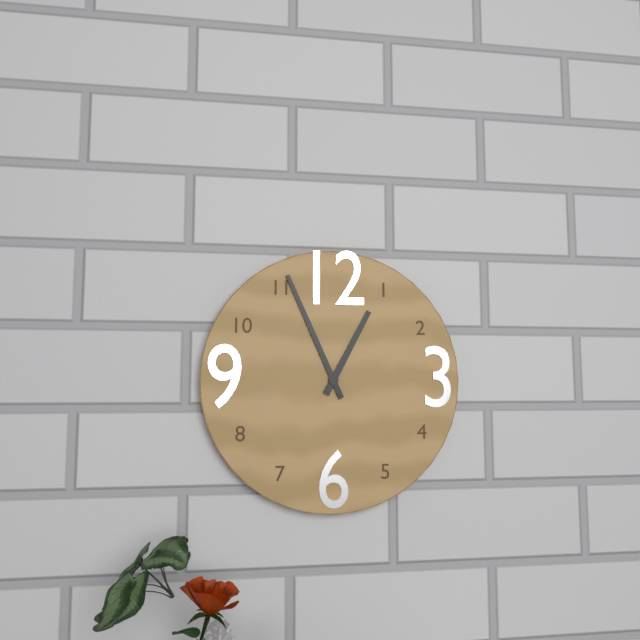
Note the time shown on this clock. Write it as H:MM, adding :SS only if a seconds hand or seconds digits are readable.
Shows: 12:56
